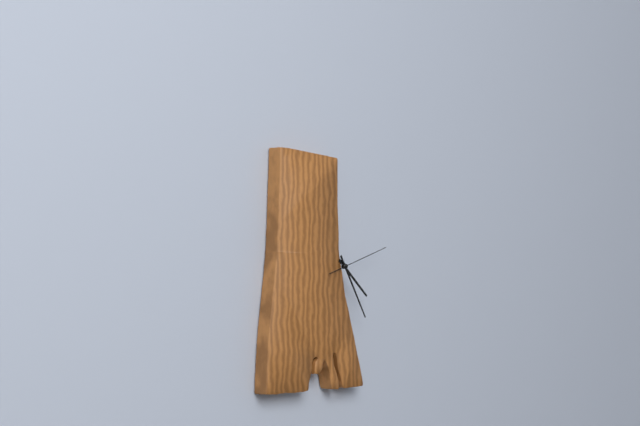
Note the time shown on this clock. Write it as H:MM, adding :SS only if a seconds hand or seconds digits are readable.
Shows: 4:25:12
